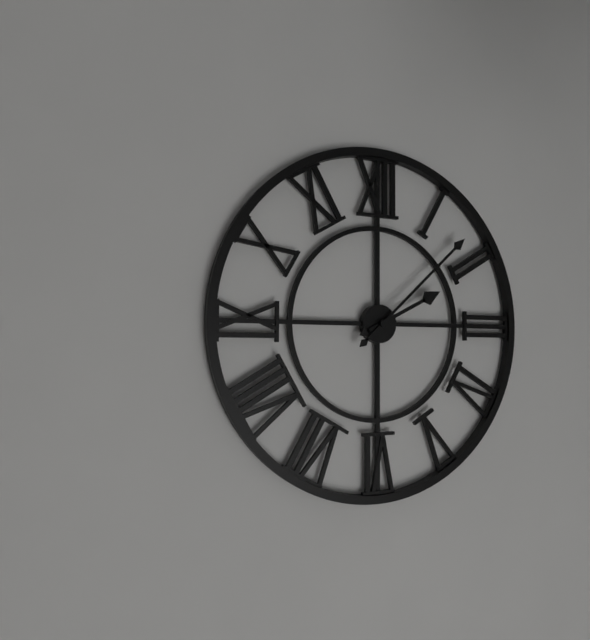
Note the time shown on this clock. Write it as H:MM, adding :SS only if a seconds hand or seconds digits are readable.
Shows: 2:08
